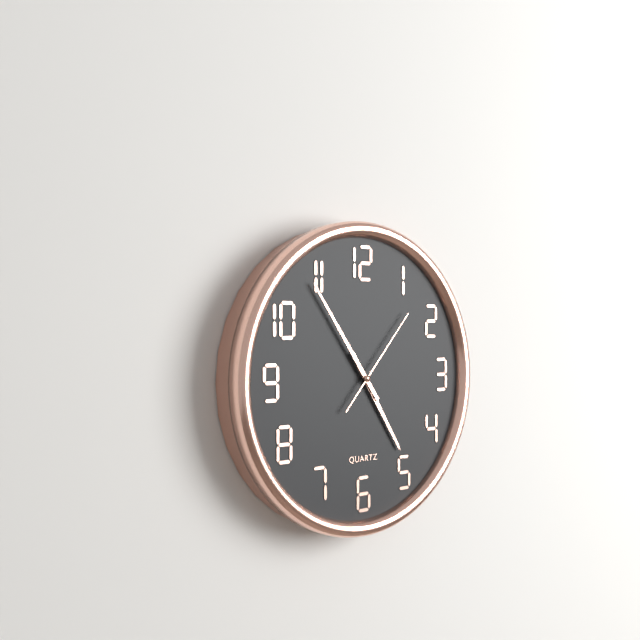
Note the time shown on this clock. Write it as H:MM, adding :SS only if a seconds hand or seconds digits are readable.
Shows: 4:54:07
